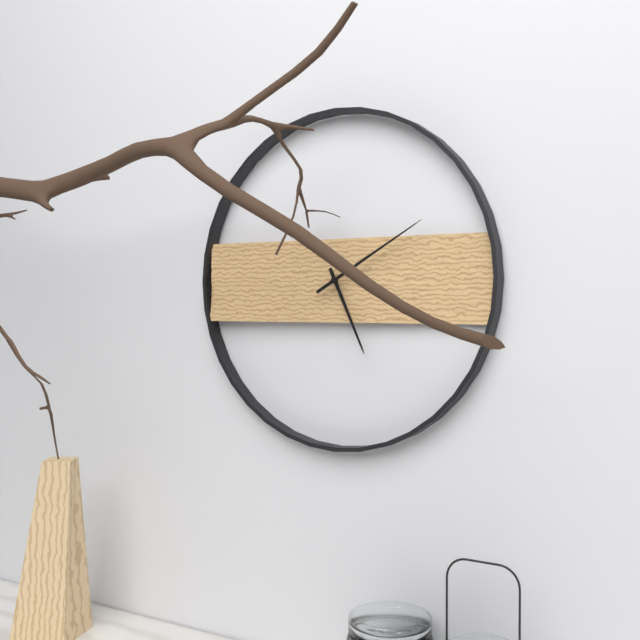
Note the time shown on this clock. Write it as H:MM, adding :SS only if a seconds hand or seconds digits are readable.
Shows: 5:10
